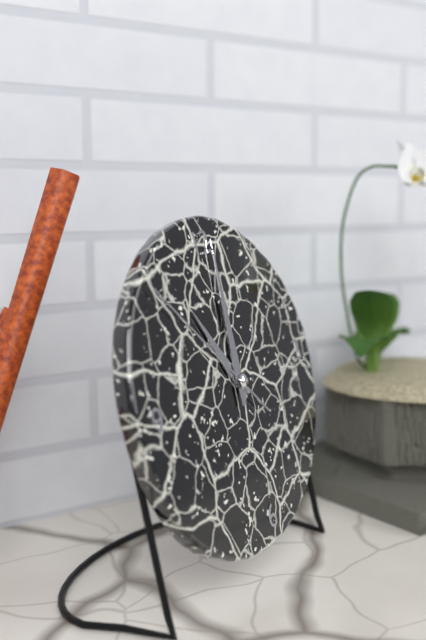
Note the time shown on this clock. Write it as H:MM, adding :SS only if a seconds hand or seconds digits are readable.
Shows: 11:01:53
